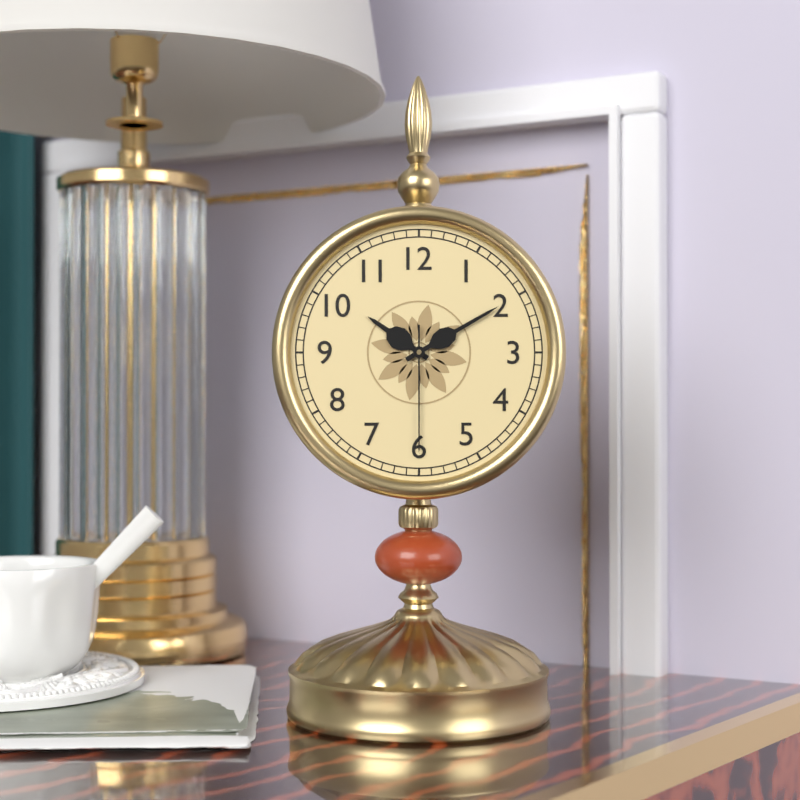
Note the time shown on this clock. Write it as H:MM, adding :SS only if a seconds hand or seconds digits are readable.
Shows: 10:10:30
